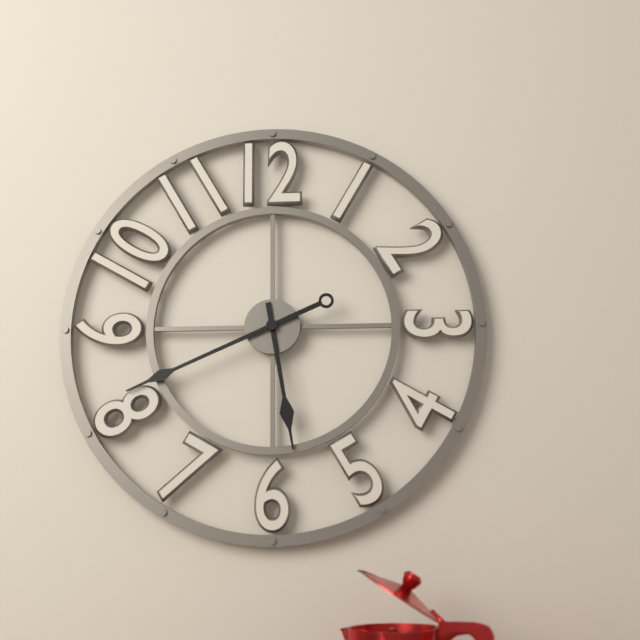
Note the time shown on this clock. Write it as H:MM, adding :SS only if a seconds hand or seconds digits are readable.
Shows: 5:41
